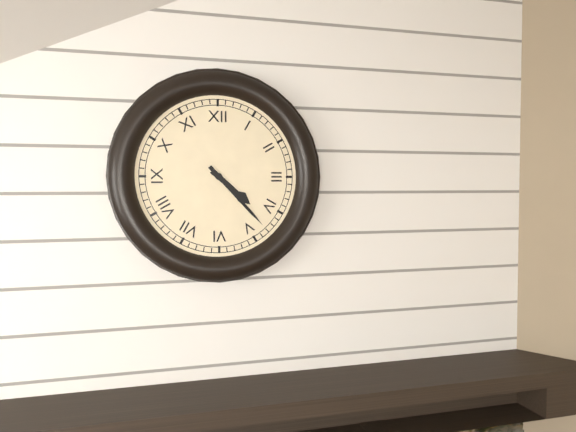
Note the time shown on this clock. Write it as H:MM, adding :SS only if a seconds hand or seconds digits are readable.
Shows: 4:23
